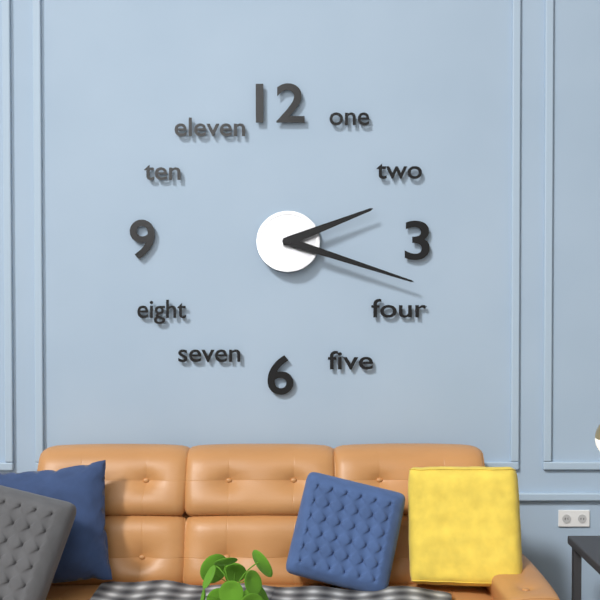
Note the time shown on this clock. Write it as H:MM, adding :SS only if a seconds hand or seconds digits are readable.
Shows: 2:18
